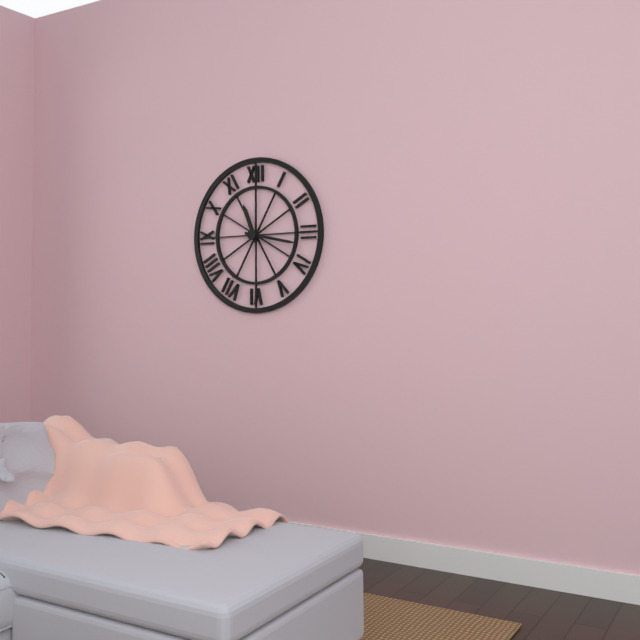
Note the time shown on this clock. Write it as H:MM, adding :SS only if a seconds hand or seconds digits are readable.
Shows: 11:17
